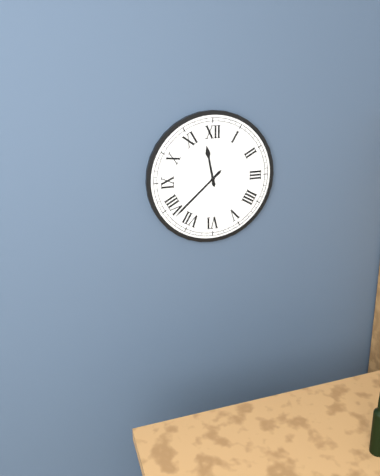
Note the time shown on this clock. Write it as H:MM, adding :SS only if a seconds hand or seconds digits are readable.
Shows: 11:38
